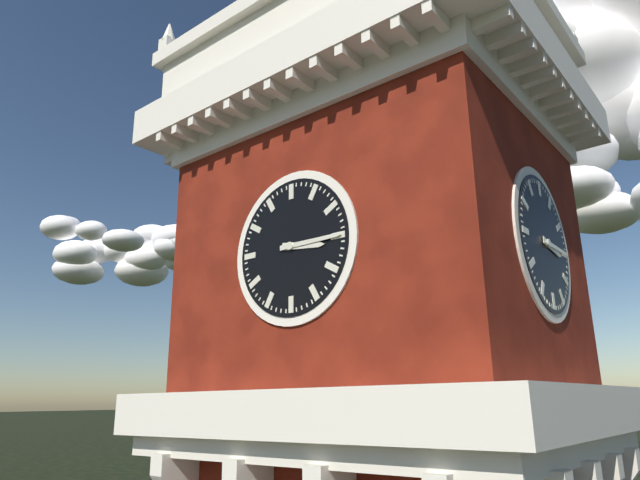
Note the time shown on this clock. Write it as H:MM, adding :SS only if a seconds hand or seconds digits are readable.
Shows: 3:15
